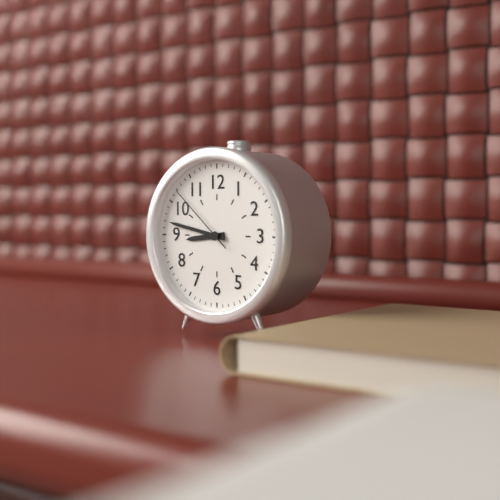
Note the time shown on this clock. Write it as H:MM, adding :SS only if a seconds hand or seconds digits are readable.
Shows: 8:47:52
